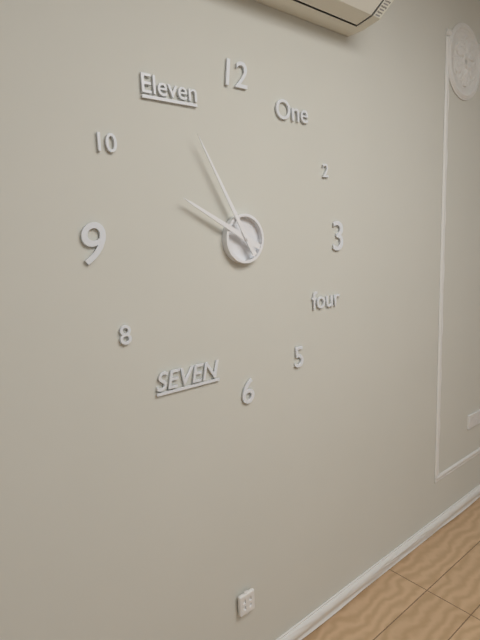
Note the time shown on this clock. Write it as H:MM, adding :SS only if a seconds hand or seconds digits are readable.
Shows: 9:55
